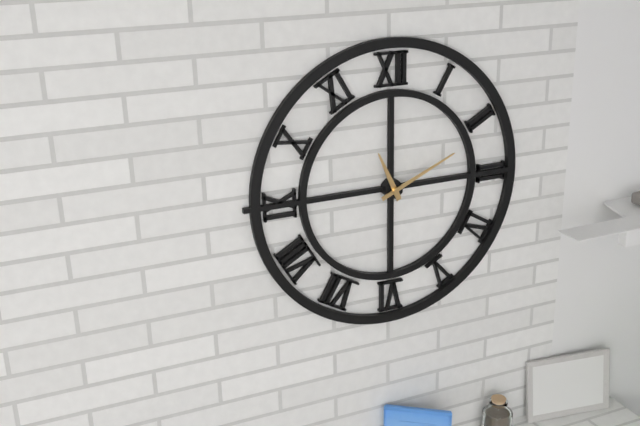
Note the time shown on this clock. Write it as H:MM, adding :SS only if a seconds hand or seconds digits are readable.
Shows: 11:11
